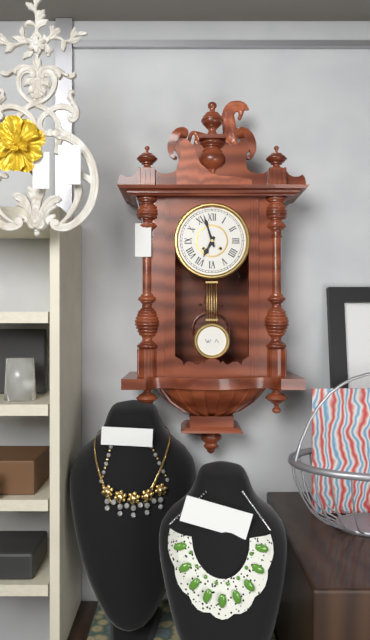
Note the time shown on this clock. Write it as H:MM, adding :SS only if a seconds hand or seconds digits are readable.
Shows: 6:57
